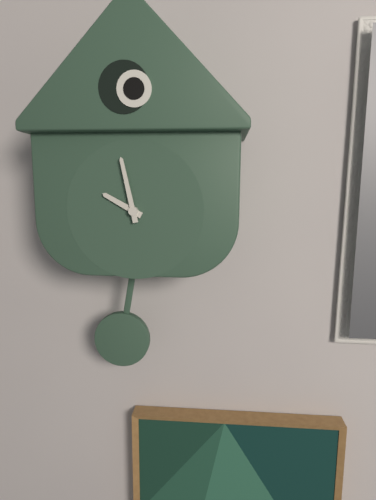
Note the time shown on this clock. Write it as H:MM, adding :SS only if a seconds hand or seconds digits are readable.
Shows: 9:58
